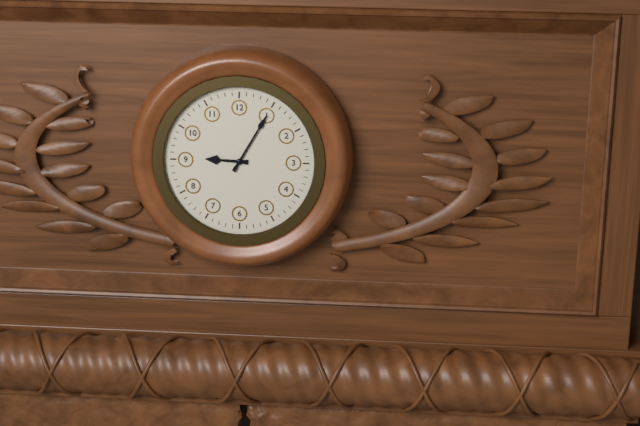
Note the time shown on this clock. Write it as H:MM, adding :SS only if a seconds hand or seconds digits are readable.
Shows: 9:05
